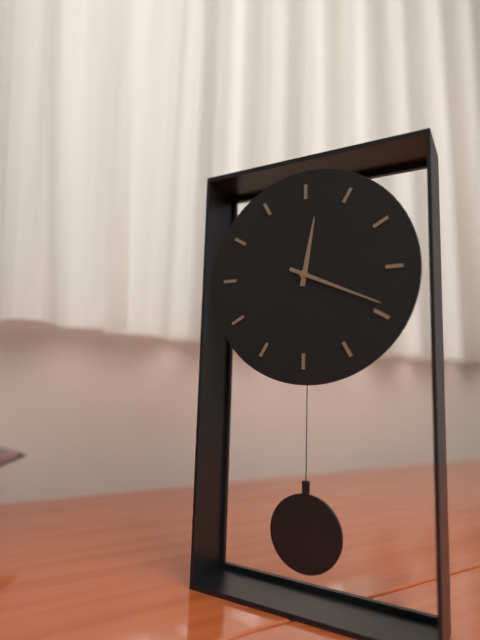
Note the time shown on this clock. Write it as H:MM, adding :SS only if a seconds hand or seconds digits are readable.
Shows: 12:19
